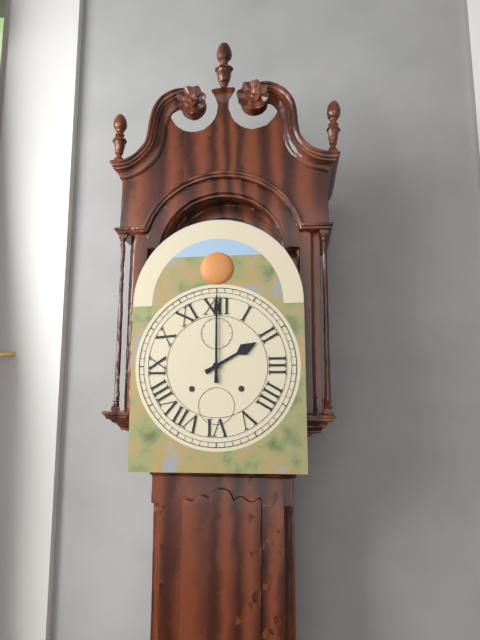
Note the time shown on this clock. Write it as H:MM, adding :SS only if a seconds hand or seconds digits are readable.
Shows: 2:00
